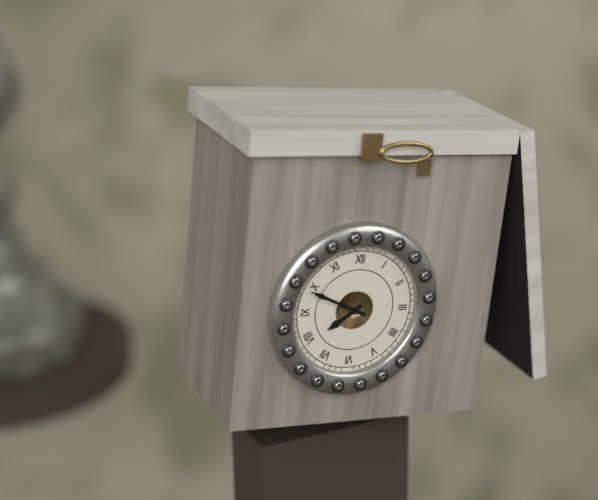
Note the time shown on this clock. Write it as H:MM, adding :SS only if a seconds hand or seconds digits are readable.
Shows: 7:49
